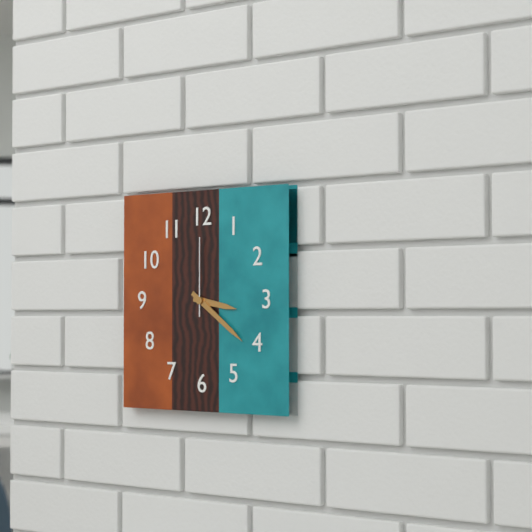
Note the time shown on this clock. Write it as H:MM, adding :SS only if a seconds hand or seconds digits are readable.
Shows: 3:21:00
